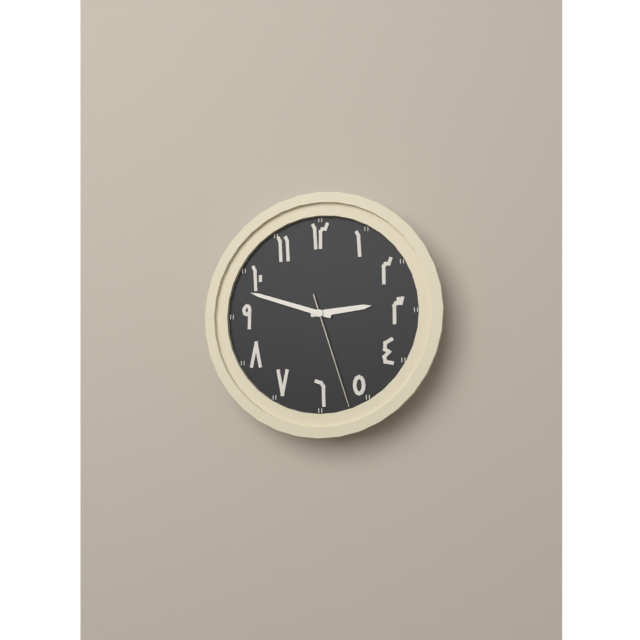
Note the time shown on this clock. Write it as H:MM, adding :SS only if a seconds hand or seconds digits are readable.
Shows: 2:48:27
